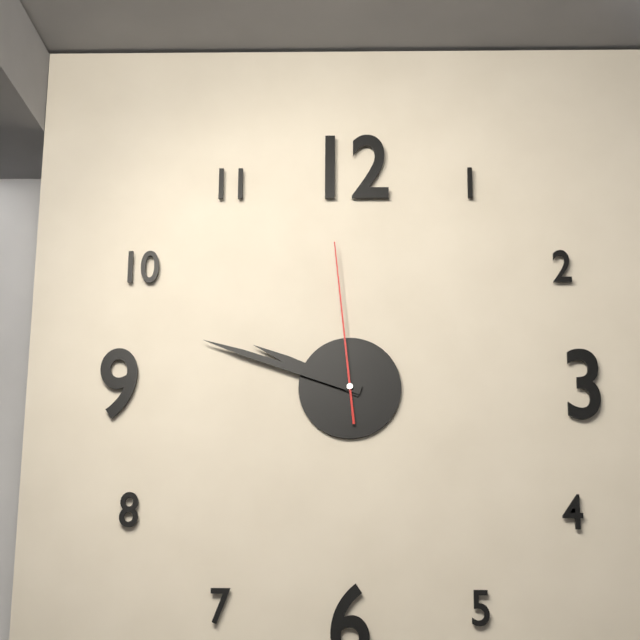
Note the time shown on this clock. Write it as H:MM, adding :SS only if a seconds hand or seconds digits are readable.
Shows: 9:48:59
